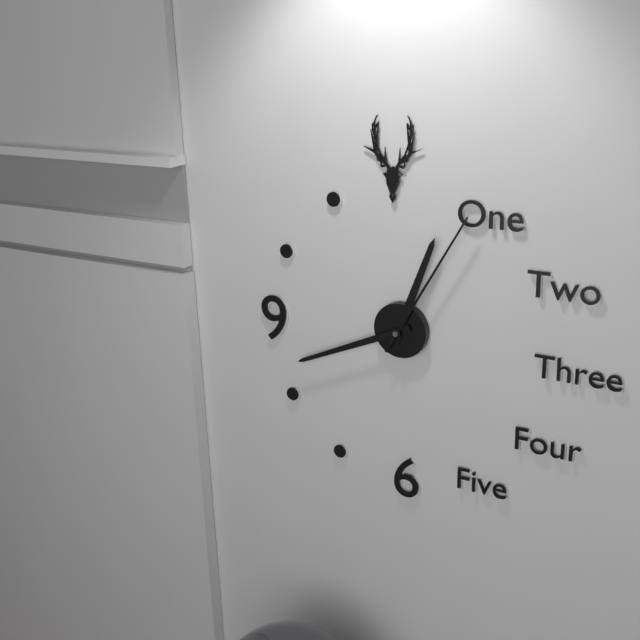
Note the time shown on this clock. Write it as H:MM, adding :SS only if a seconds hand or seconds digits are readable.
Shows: 12:41:05
